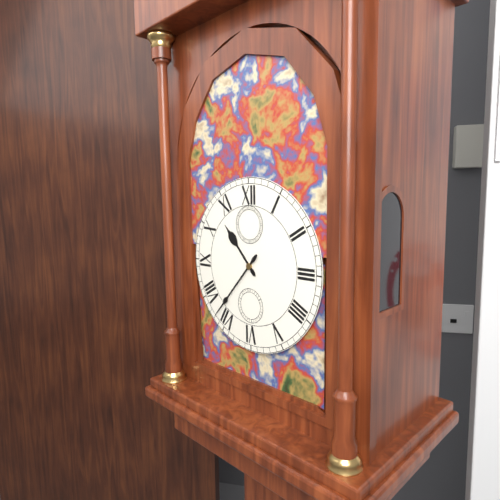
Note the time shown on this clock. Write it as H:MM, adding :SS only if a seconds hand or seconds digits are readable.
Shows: 10:37
